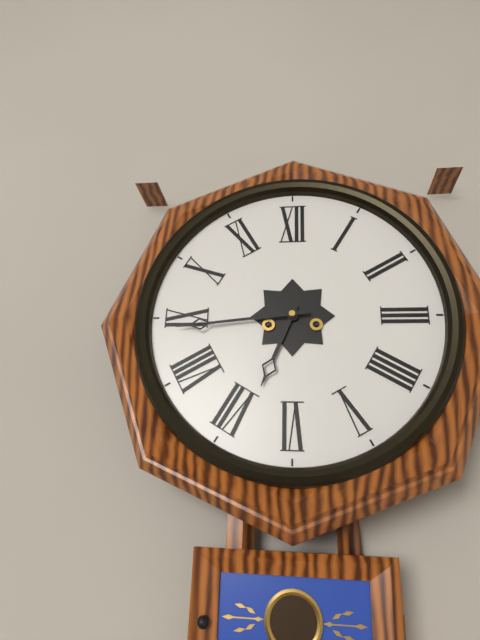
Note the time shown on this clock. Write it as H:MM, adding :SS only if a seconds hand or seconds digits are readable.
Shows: 6:44
